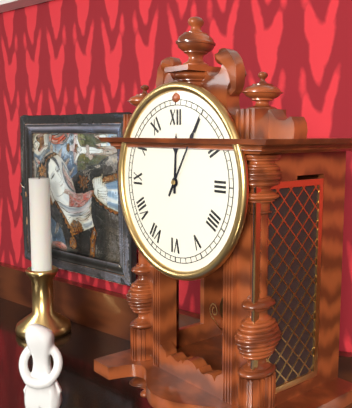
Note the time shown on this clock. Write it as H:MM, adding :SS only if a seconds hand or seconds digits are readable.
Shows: 12:05
